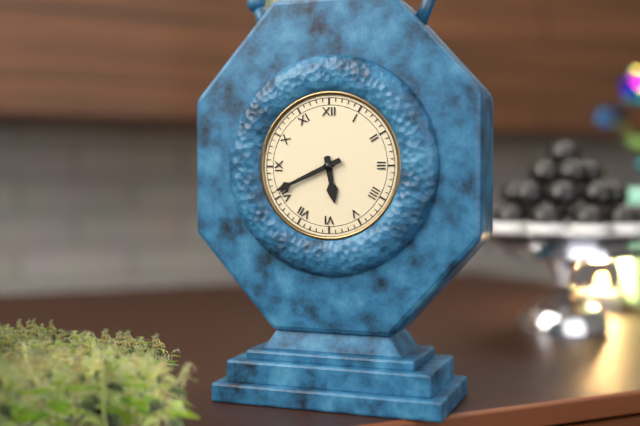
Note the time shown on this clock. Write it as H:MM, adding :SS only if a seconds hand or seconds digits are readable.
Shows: 5:41
